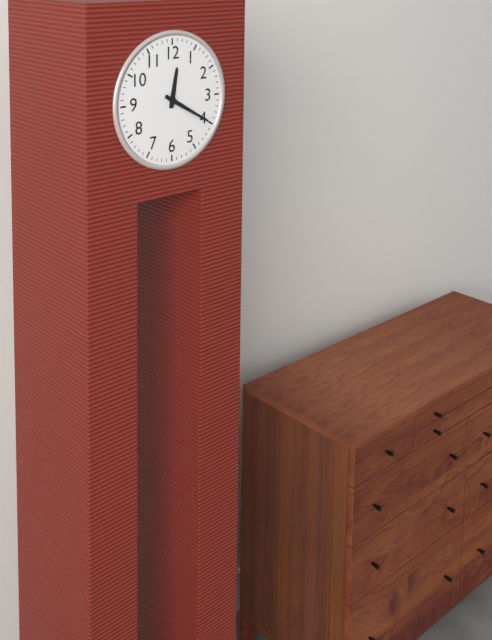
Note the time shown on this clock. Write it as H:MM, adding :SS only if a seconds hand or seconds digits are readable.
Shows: 12:20
